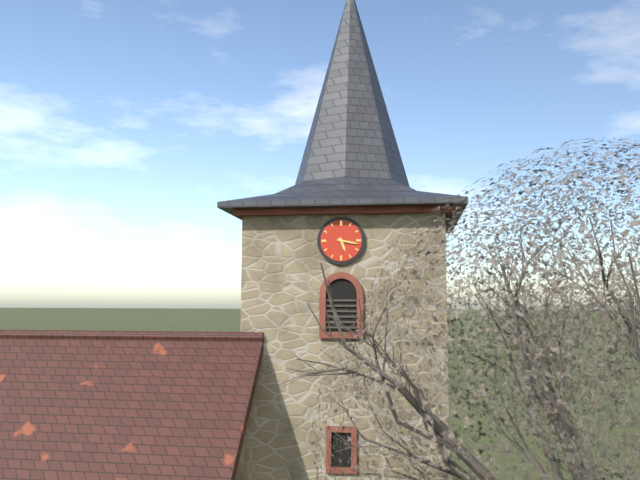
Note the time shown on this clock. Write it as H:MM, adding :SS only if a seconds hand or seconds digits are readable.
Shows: 5:17
